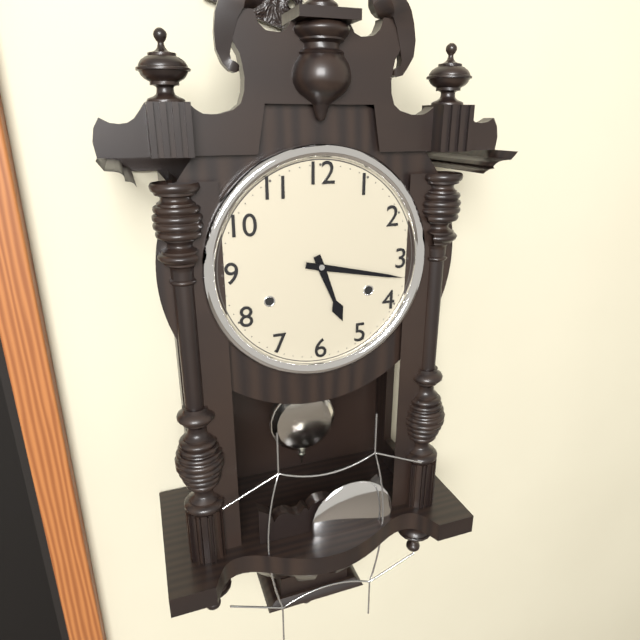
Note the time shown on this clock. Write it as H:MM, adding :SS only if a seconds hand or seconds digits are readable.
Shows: 5:17
